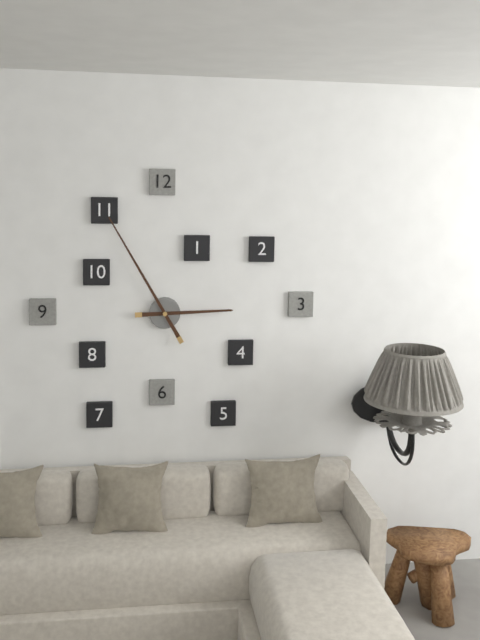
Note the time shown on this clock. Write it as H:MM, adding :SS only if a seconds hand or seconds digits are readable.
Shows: 2:55
